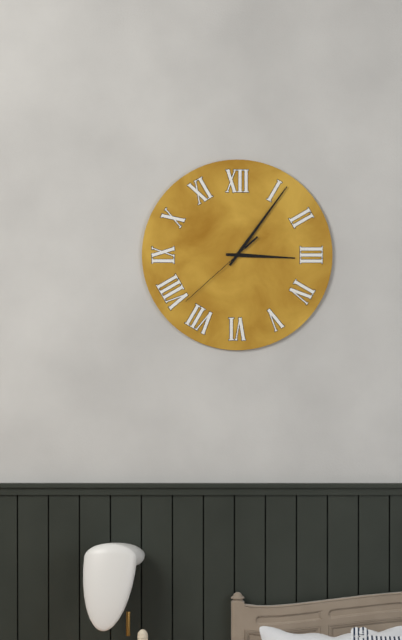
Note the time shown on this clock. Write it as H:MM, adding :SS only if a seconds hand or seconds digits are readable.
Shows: 3:06:38
